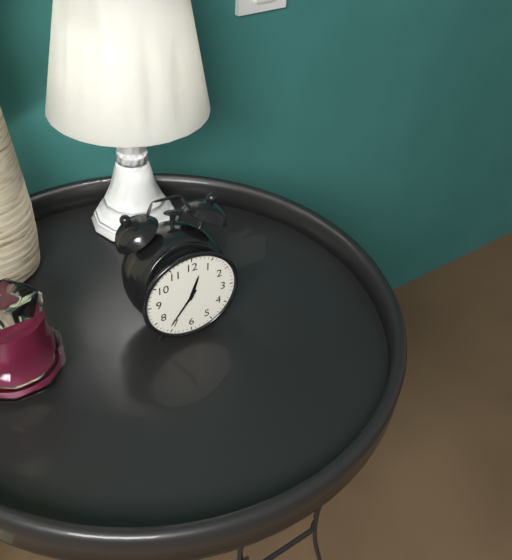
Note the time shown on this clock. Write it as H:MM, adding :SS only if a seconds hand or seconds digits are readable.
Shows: 12:36
